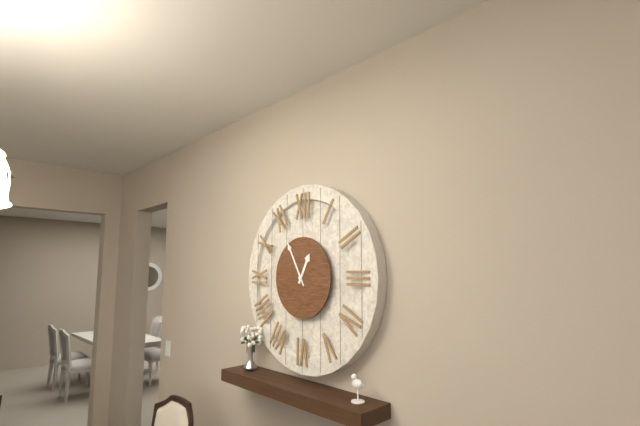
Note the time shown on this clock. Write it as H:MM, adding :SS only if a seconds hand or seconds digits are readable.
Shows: 12:55
